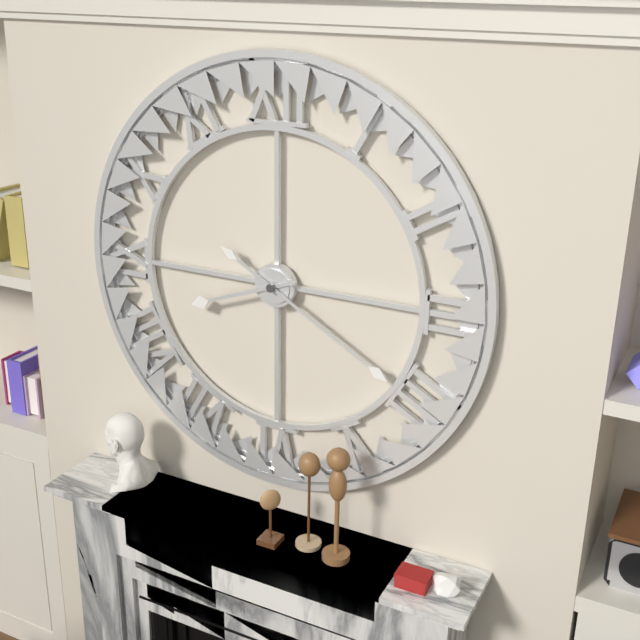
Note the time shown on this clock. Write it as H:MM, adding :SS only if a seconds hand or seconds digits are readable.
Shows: 8:20
